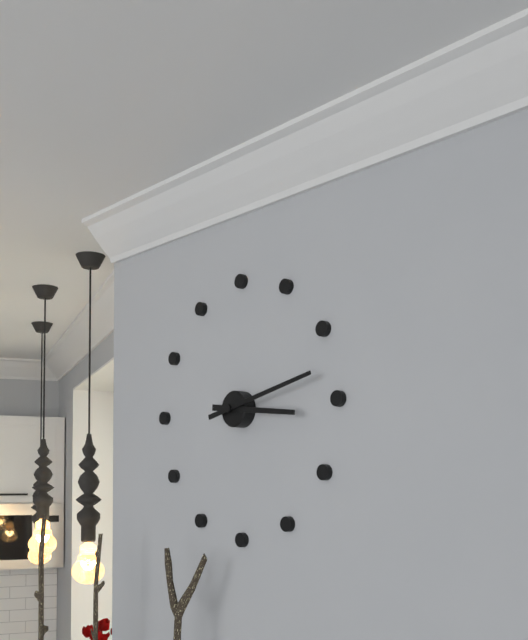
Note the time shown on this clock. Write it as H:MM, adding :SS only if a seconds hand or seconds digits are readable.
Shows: 3:13
